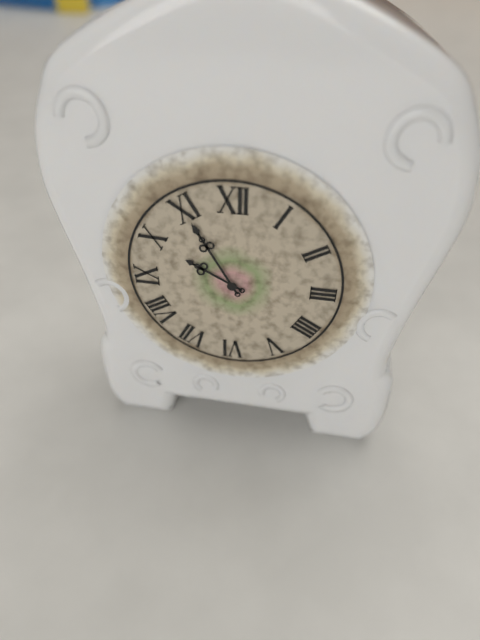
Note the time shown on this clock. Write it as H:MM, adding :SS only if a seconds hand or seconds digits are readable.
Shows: 9:55
